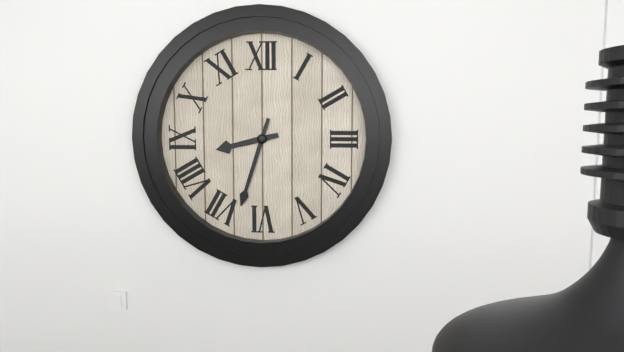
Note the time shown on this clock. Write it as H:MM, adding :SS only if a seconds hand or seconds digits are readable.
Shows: 8:33
